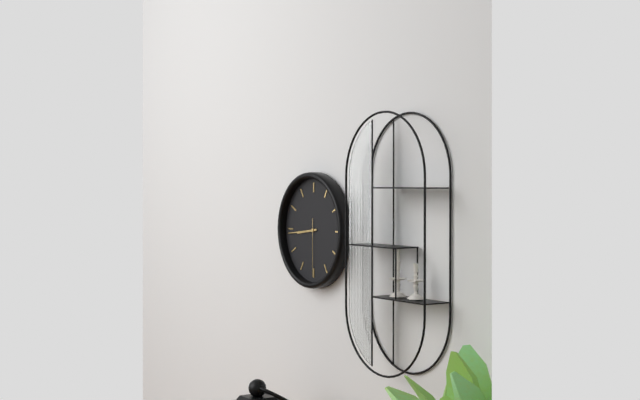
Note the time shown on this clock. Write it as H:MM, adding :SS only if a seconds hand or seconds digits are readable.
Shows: 8:44:30
